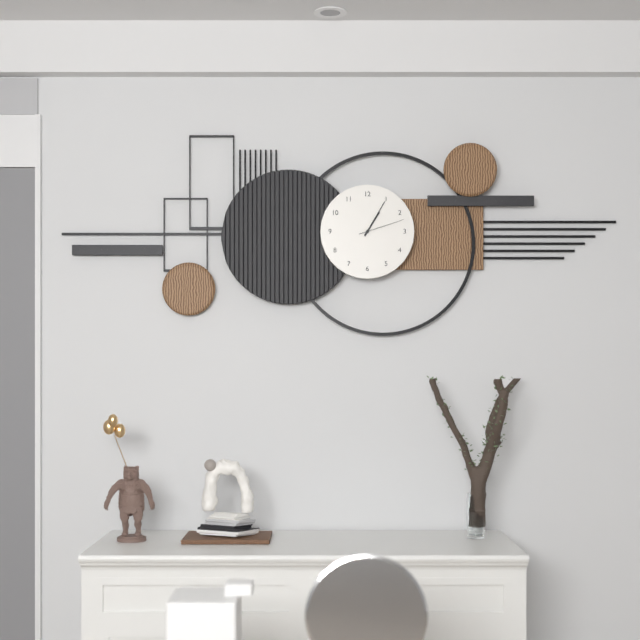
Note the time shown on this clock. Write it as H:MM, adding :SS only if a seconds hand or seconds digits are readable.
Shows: 1:05
